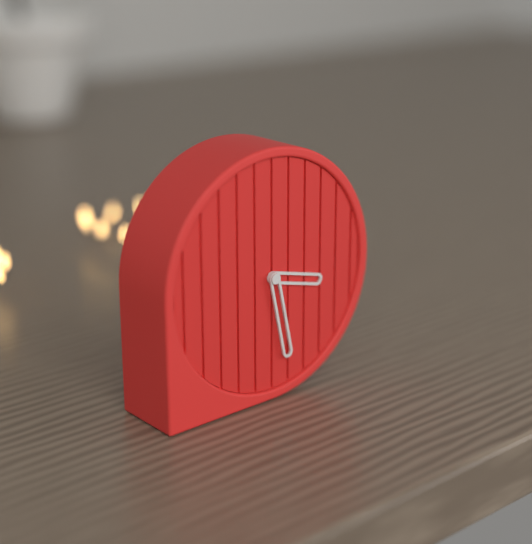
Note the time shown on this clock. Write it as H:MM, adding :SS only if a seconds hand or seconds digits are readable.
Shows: 3:28
